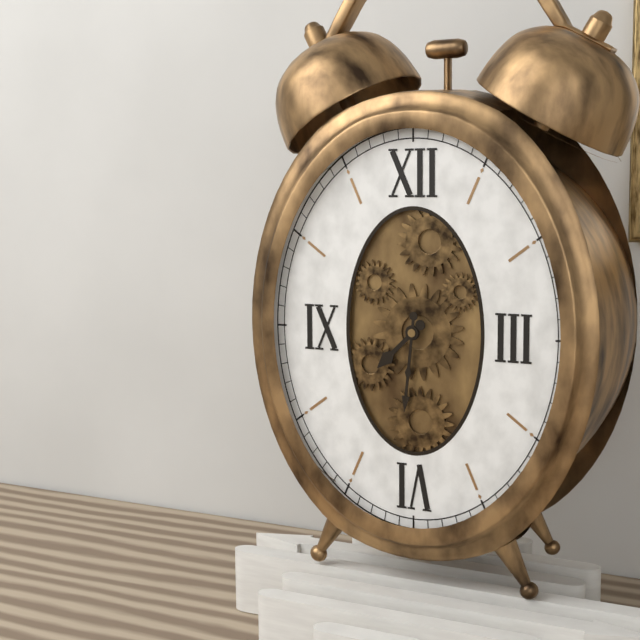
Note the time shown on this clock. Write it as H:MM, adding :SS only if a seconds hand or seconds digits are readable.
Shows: 7:31
